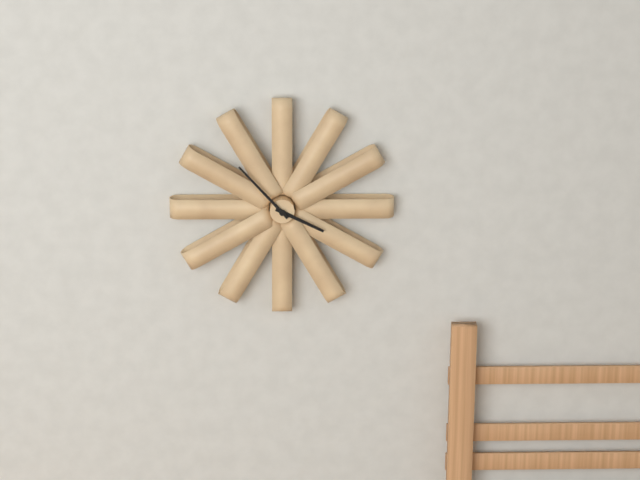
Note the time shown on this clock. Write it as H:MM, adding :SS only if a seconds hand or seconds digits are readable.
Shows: 3:53
